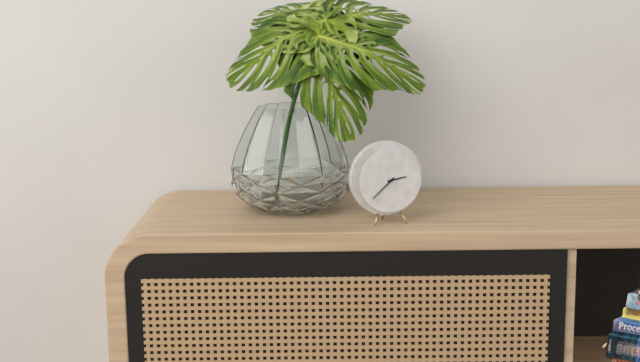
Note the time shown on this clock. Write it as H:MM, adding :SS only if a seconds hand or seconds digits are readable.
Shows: 2:38
